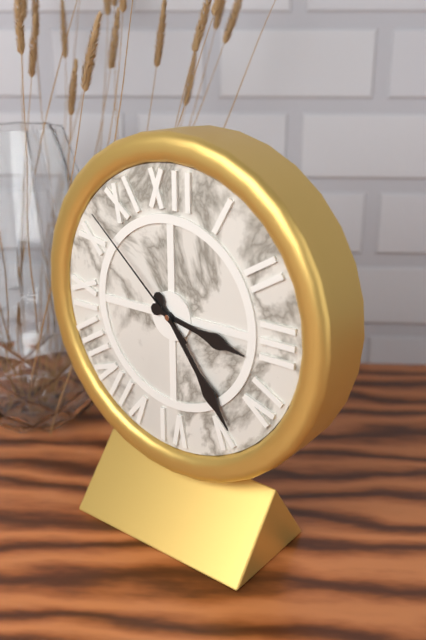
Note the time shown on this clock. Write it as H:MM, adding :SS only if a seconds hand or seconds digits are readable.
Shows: 3:24:52
